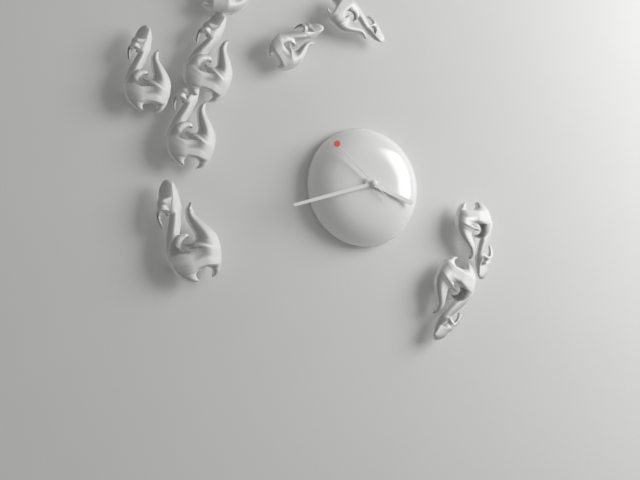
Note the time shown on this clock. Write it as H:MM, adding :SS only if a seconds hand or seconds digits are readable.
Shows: 3:42:52
